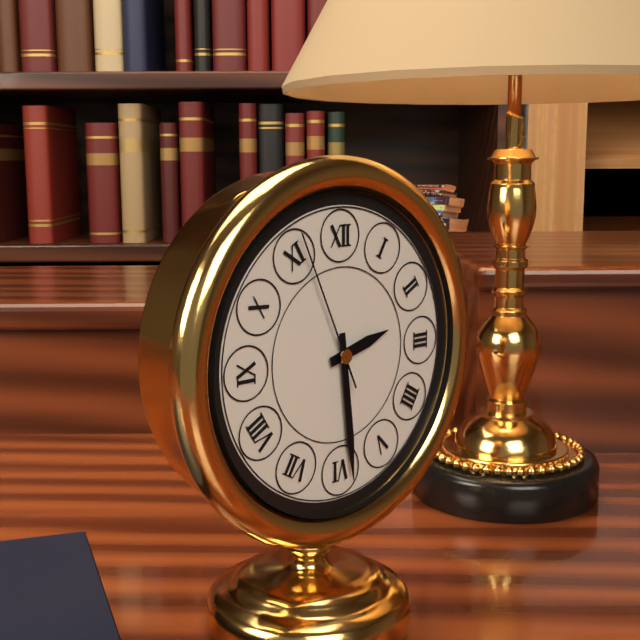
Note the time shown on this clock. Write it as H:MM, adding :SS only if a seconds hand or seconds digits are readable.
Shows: 2:29:56
